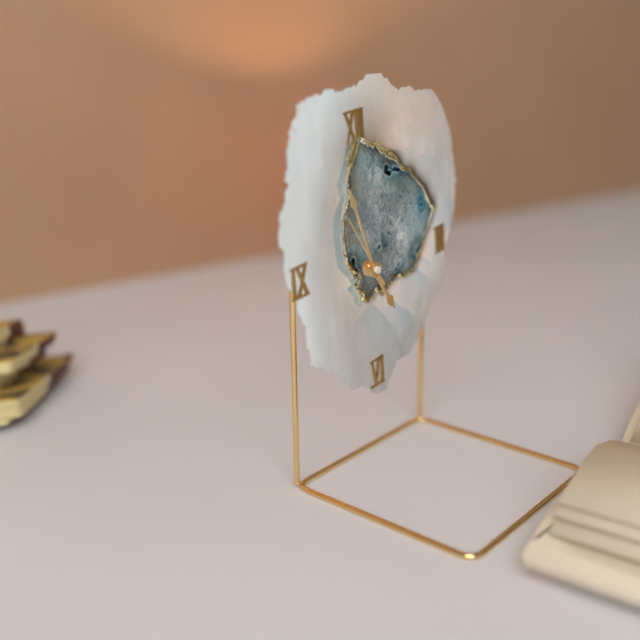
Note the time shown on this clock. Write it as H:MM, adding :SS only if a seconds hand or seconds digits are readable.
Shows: 4:57:55
